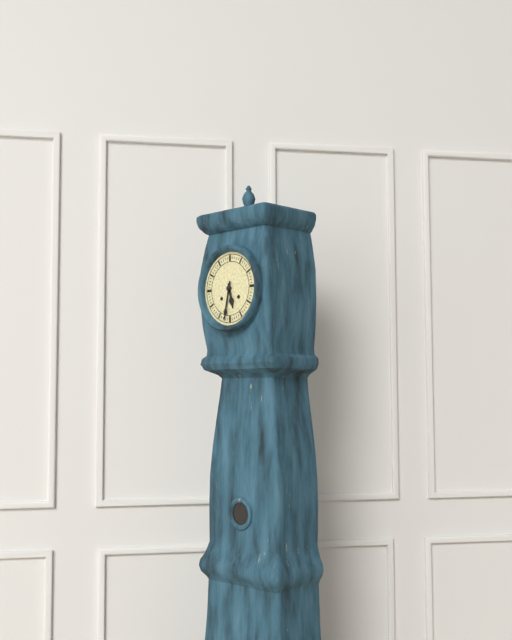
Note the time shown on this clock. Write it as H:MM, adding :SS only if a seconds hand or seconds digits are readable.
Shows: 5:32
